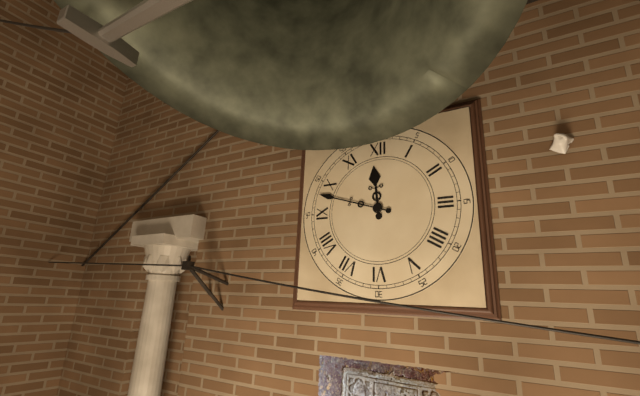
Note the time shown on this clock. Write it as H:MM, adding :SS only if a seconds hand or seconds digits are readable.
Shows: 11:48
